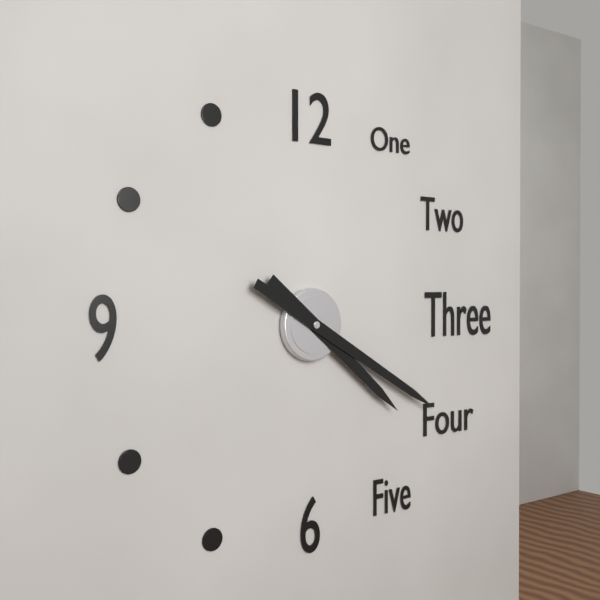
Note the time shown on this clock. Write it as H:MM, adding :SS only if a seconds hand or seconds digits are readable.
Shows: 4:20
